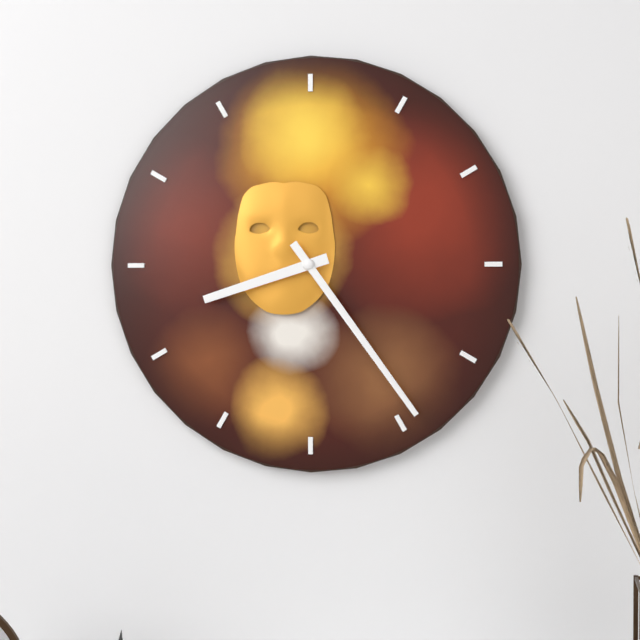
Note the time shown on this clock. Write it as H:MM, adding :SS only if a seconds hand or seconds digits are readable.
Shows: 8:24
